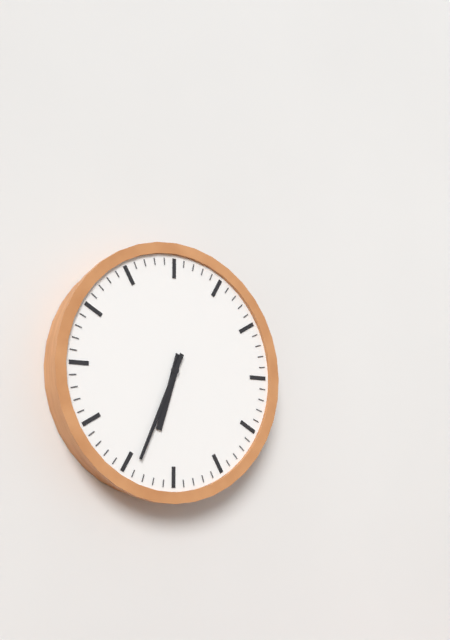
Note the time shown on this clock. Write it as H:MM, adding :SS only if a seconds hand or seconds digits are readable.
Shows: 6:34
